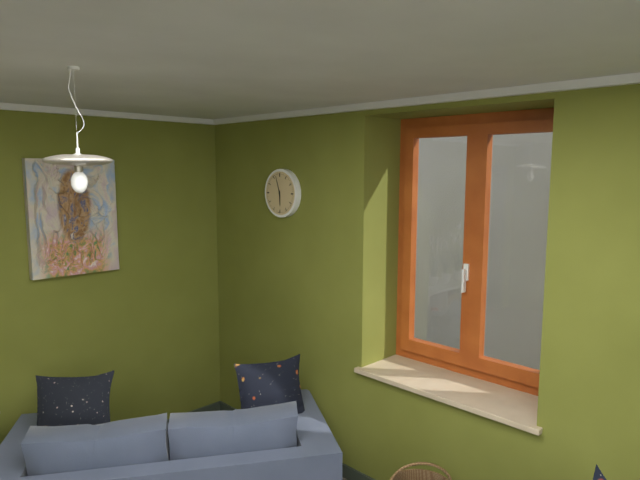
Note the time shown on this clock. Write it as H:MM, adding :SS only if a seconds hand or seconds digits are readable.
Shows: 5:57
